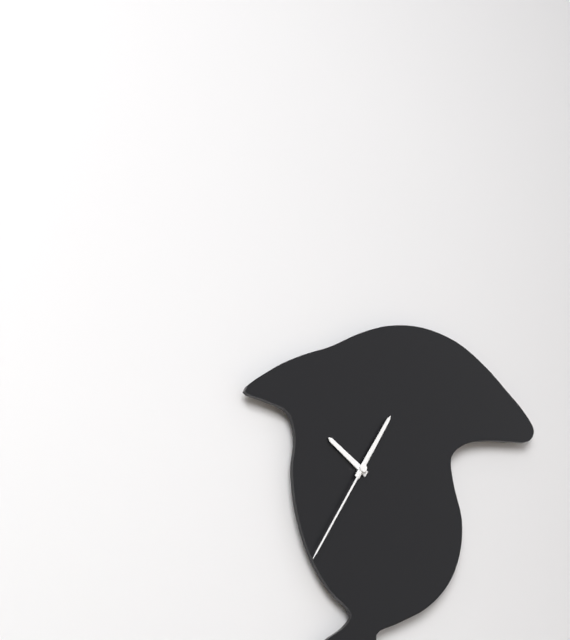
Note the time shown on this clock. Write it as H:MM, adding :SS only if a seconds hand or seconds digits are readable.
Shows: 10:05:35
